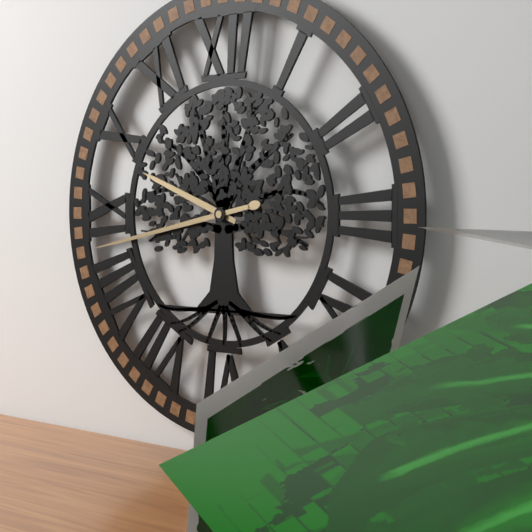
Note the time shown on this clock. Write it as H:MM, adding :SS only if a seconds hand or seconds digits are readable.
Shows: 9:43
